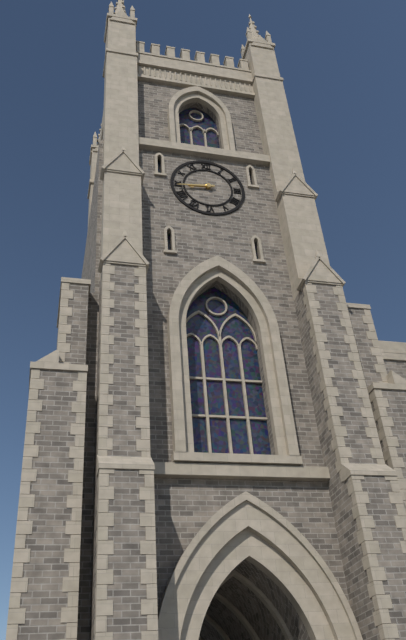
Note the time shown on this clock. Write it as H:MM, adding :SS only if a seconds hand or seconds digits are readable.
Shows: 8:44
